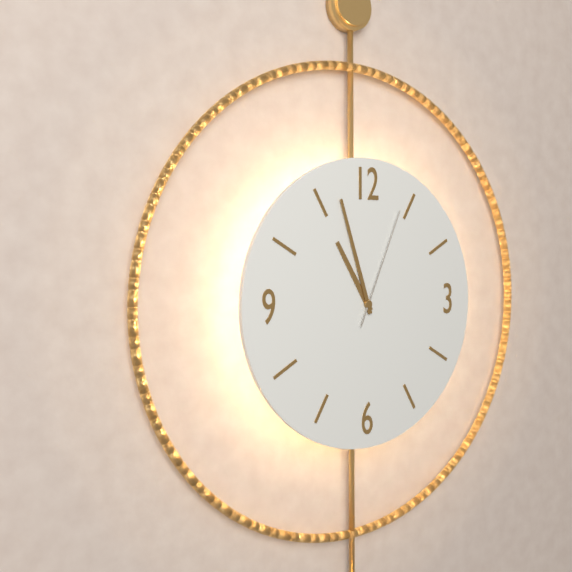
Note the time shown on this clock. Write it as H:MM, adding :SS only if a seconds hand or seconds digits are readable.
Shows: 10:57:04
